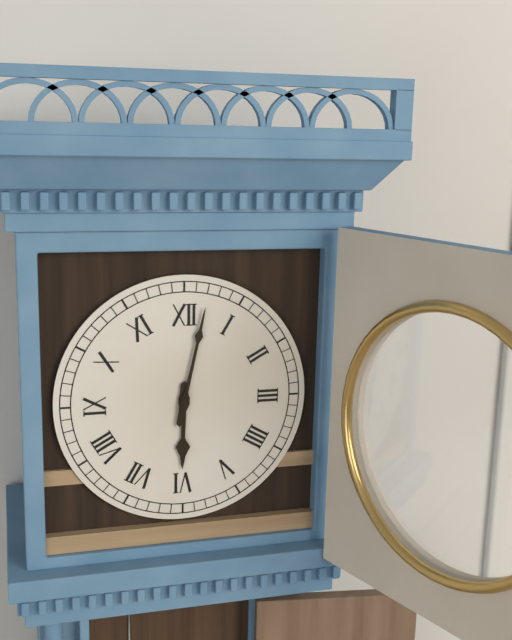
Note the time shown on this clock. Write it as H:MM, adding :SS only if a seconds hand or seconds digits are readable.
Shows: 6:02
